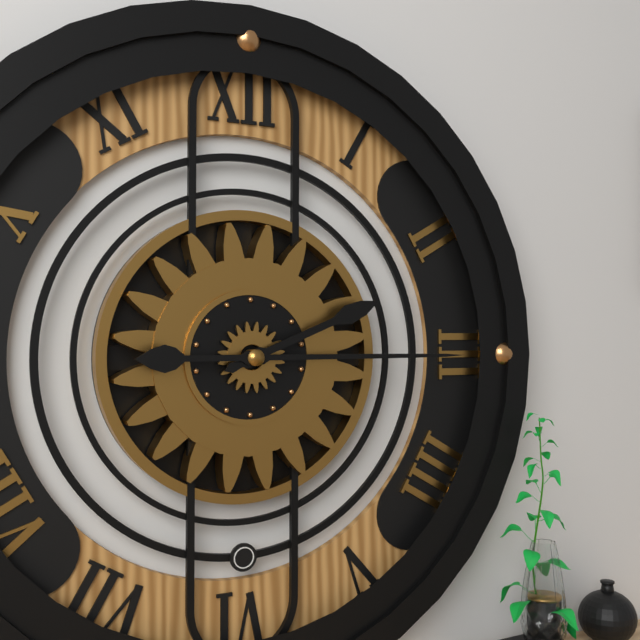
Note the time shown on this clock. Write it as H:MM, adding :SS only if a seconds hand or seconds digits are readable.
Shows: 2:15
